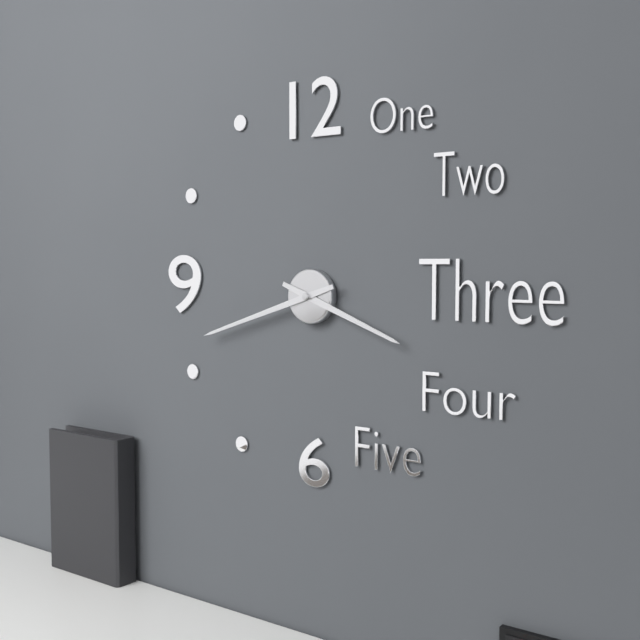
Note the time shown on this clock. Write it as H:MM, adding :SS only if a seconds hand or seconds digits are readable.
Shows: 3:42
